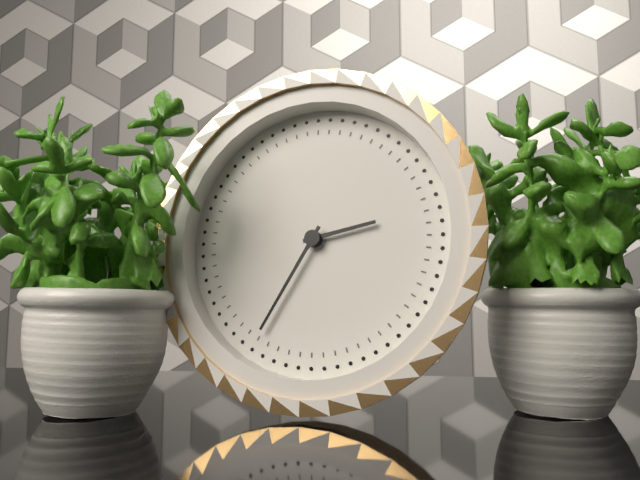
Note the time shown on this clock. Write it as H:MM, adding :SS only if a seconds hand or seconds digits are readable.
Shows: 2:35
